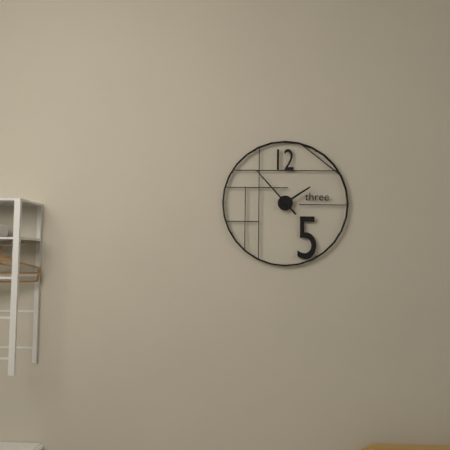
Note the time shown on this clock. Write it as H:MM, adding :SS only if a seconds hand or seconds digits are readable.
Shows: 1:53
